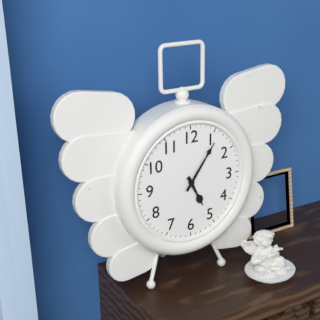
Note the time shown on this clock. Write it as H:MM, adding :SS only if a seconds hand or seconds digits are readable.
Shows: 5:06
